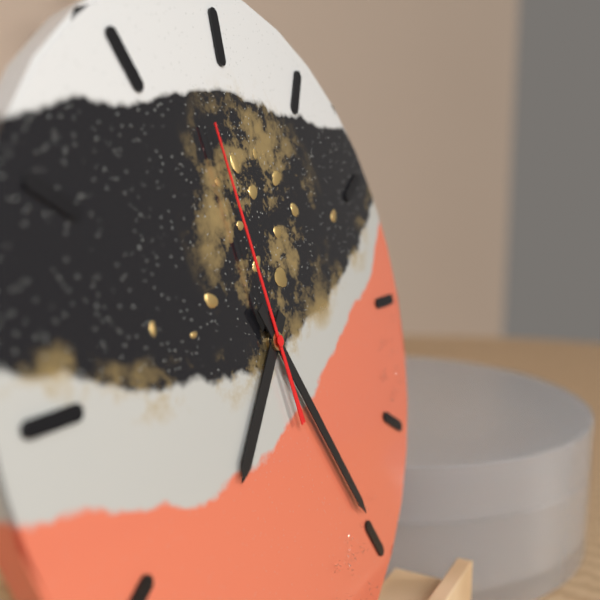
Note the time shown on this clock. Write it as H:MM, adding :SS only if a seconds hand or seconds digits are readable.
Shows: 7:25:58
